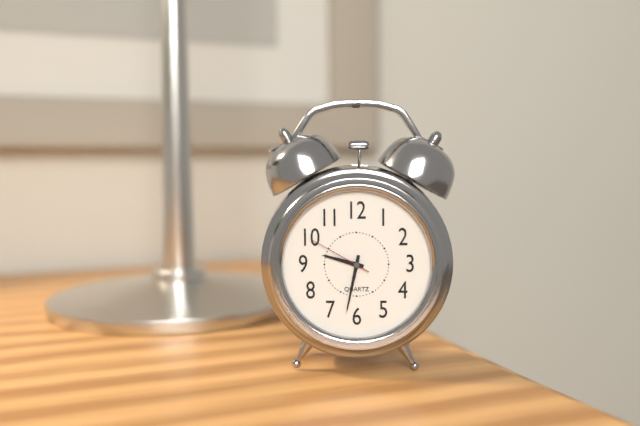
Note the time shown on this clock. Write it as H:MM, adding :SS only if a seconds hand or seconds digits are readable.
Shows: 9:32:50
